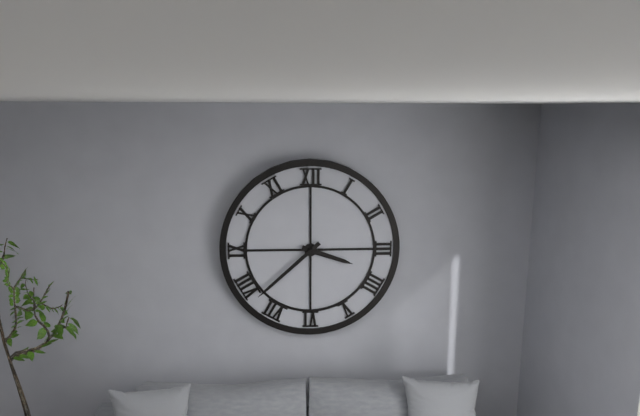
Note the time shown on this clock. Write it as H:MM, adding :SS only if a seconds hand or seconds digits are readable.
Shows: 3:38
